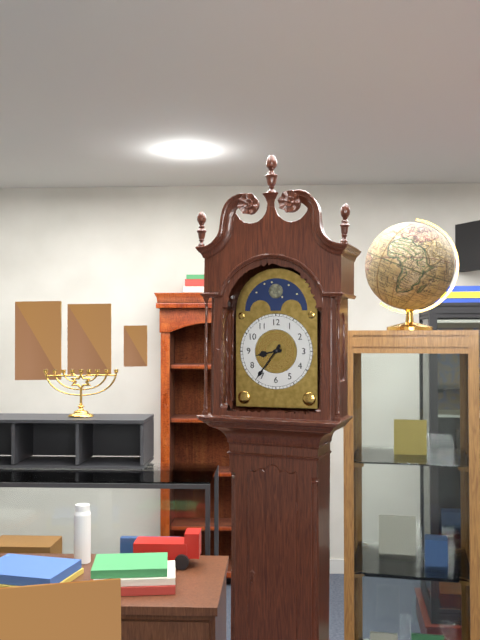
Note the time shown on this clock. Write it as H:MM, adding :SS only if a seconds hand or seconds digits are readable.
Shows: 8:36
